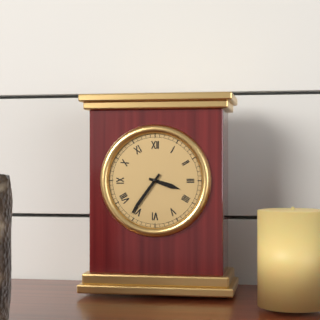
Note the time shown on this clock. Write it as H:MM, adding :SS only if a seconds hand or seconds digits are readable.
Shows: 3:36
